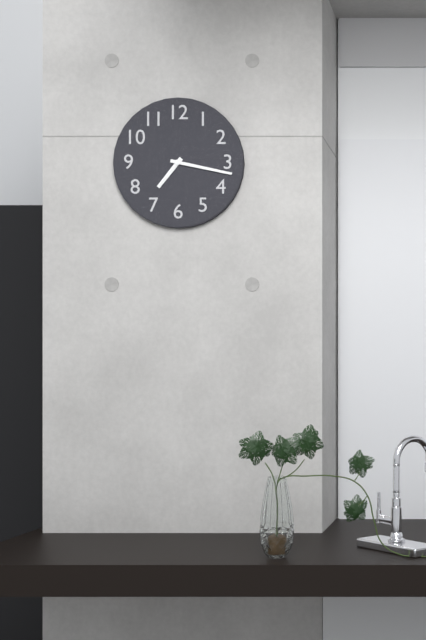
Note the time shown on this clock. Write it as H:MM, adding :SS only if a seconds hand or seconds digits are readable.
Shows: 7:17
